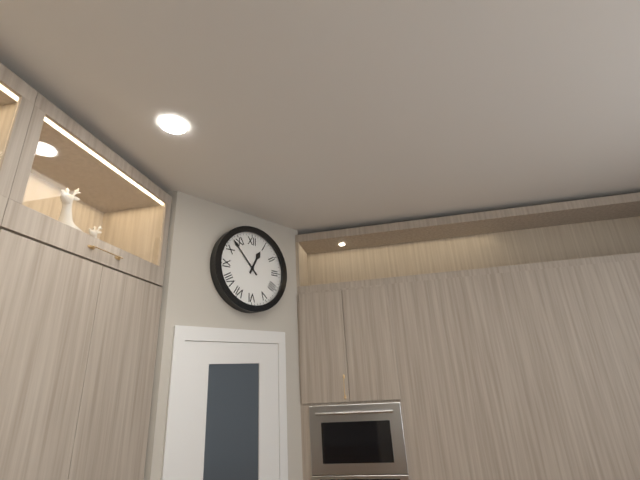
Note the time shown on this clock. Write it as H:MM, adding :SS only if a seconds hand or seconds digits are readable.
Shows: 12:53
